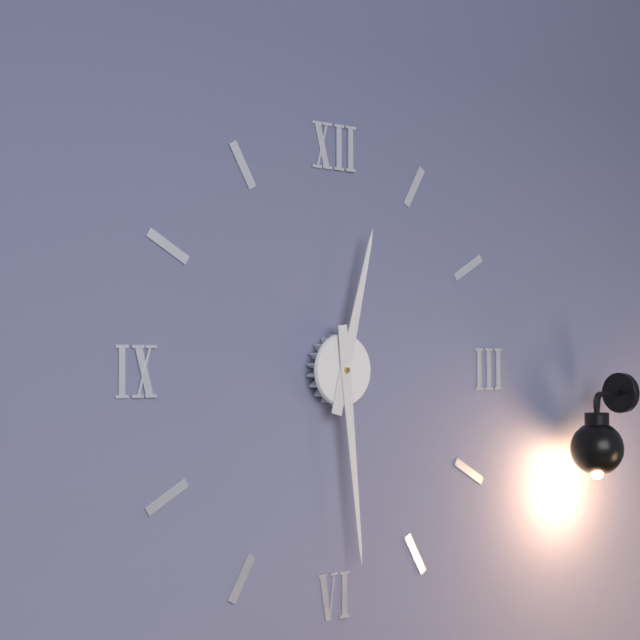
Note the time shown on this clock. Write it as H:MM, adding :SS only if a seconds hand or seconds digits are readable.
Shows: 12:29
